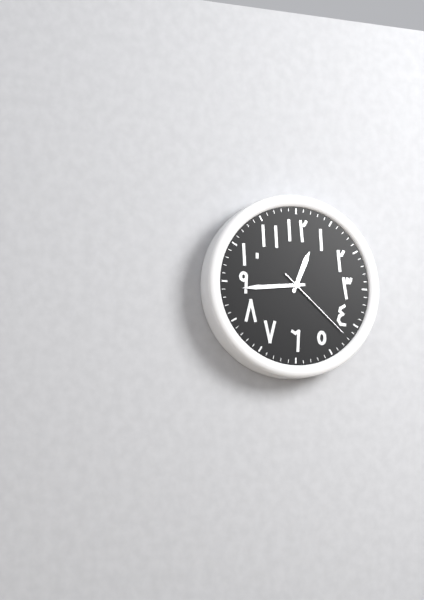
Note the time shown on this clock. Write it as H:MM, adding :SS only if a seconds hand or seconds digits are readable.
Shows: 12:44:22
